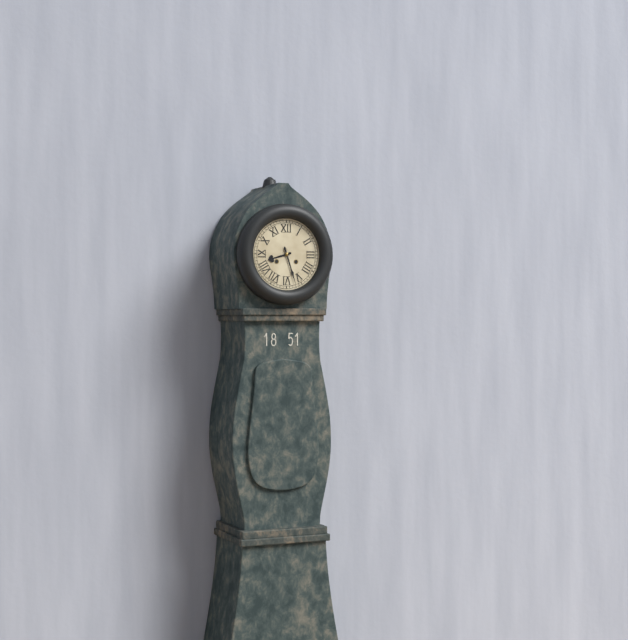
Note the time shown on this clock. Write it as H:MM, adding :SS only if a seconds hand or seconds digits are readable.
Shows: 8:27
